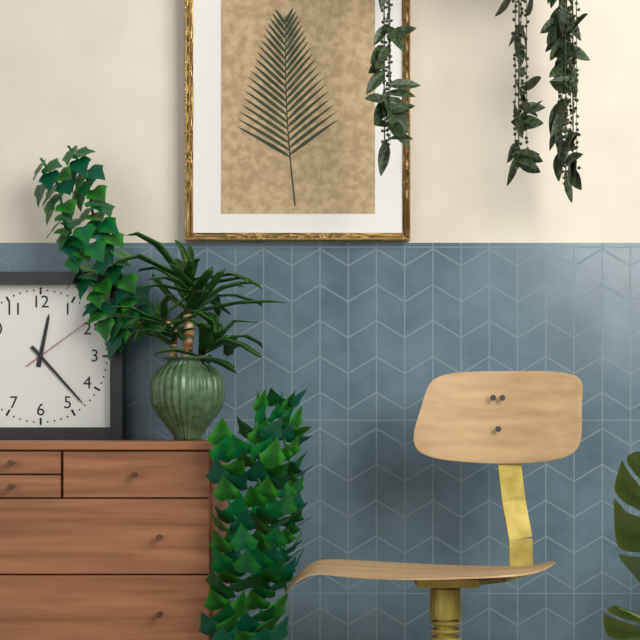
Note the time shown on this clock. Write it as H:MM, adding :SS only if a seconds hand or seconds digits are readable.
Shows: 12:23:09
